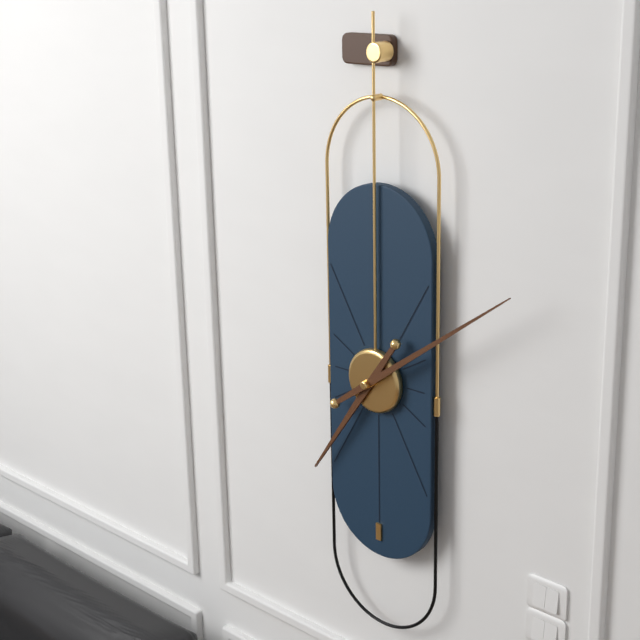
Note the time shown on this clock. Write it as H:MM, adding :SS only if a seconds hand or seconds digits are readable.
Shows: 7:09
